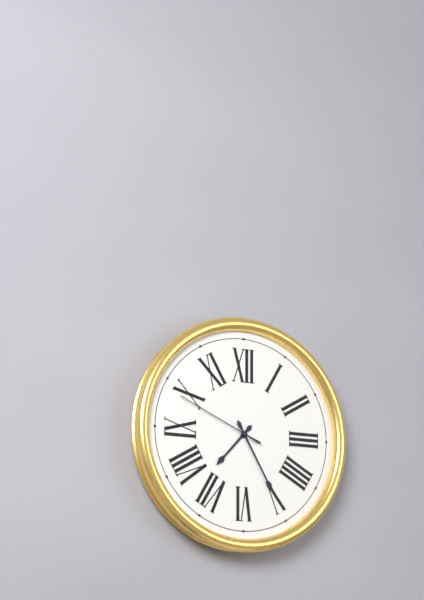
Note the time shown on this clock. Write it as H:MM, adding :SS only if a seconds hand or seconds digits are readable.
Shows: 7:25:49
